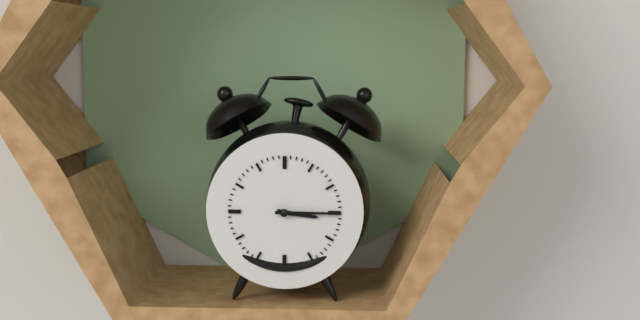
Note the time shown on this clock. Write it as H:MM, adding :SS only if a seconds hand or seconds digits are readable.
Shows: 3:15
